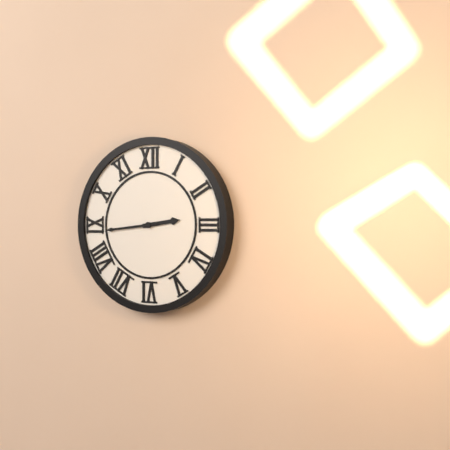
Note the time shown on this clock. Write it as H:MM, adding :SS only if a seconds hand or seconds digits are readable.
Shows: 2:44
